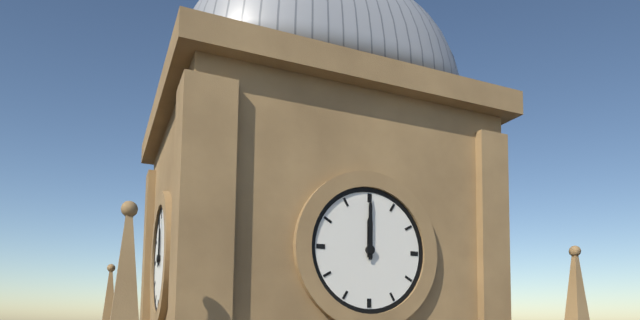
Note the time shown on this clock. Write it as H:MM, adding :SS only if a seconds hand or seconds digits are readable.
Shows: 12:00
